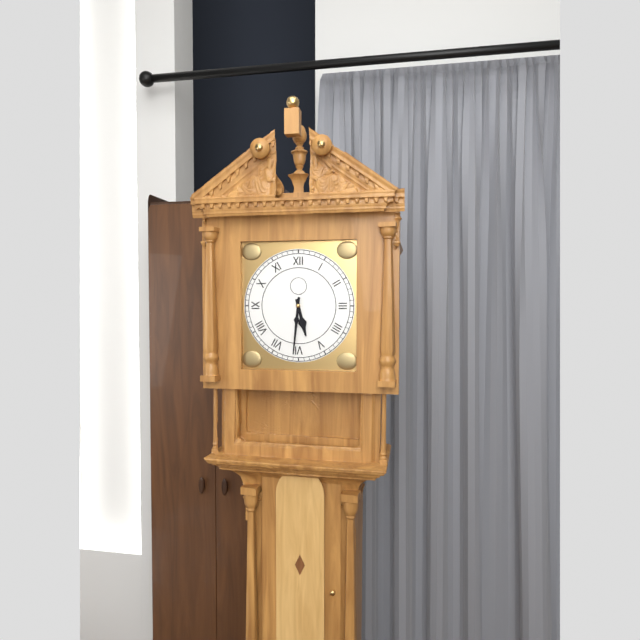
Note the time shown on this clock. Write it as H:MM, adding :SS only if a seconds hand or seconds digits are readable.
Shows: 5:31
